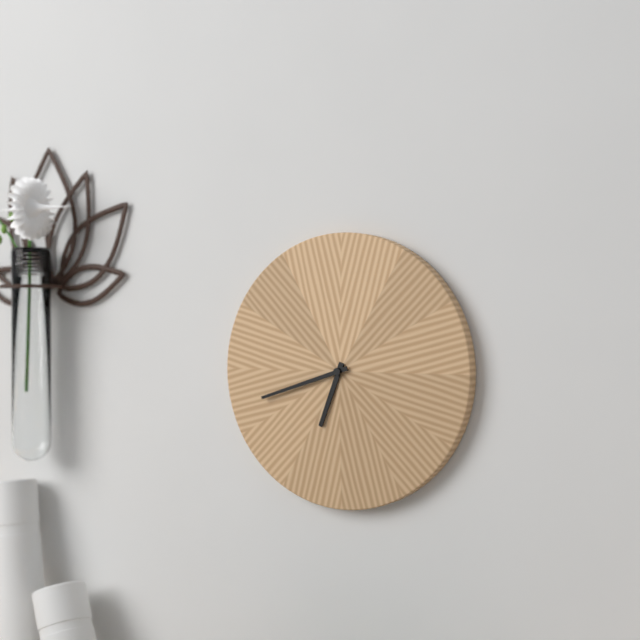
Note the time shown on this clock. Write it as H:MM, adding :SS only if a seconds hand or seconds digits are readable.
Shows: 6:42
